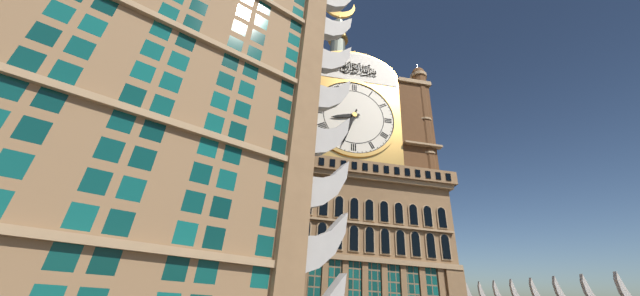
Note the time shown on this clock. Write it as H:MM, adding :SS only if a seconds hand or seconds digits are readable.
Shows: 8:33
